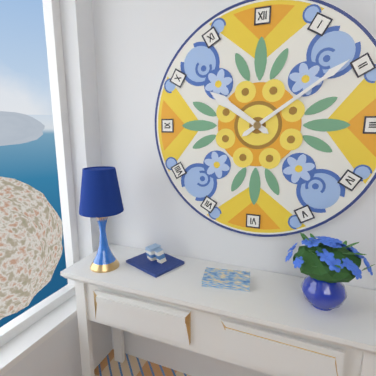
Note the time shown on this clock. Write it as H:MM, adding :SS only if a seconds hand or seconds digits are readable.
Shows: 10:09
